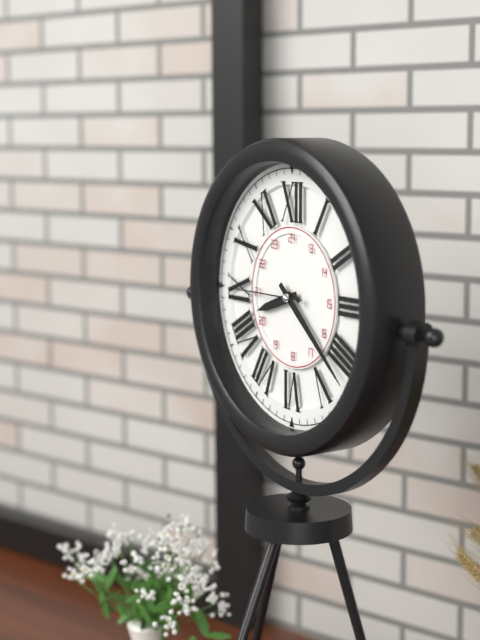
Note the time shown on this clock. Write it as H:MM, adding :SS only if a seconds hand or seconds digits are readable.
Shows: 8:22:45
